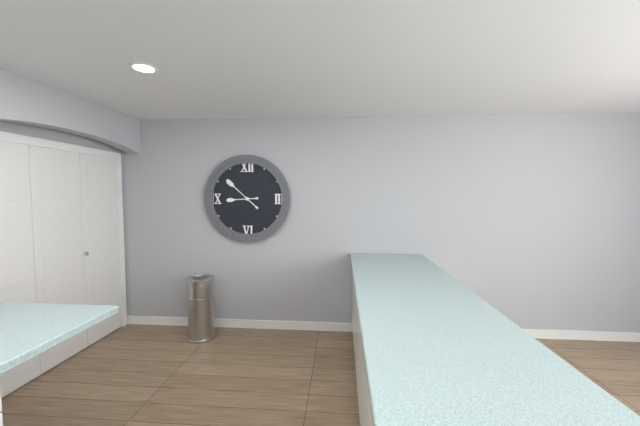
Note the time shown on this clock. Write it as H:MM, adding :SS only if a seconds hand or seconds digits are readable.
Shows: 8:52
